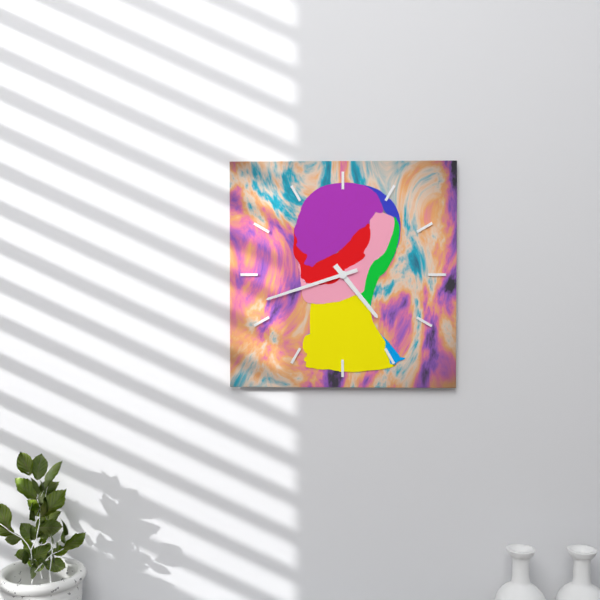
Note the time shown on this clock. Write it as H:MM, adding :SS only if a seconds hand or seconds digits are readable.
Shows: 4:42
